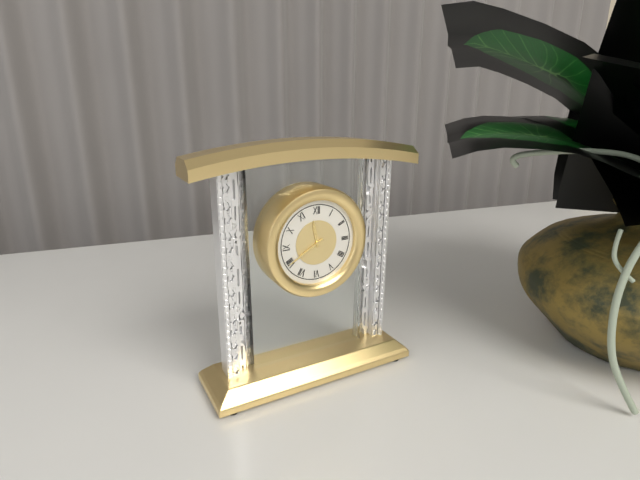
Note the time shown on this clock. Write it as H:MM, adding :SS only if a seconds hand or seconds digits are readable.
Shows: 11:40
